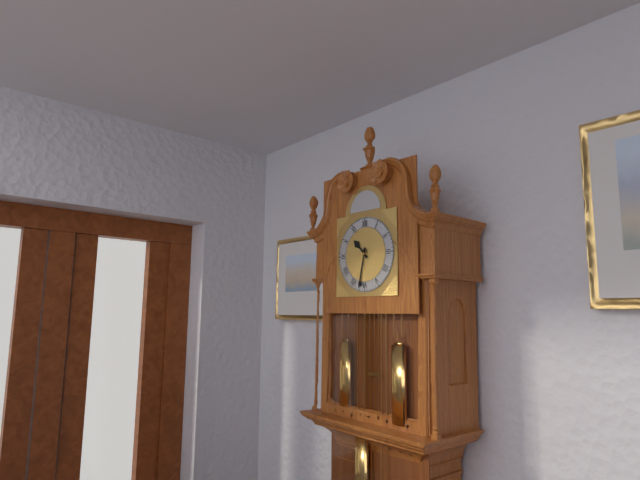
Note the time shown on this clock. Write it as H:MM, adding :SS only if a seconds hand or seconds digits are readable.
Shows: 10:32
